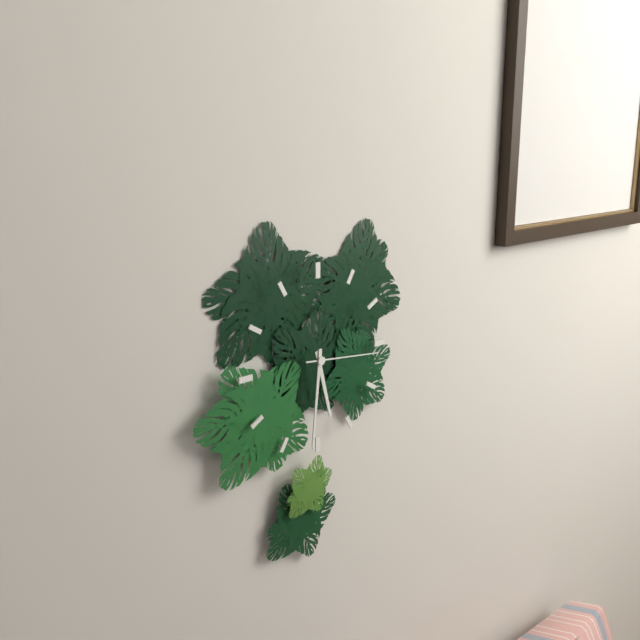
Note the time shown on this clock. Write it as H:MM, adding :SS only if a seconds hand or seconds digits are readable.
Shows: 5:31:16
